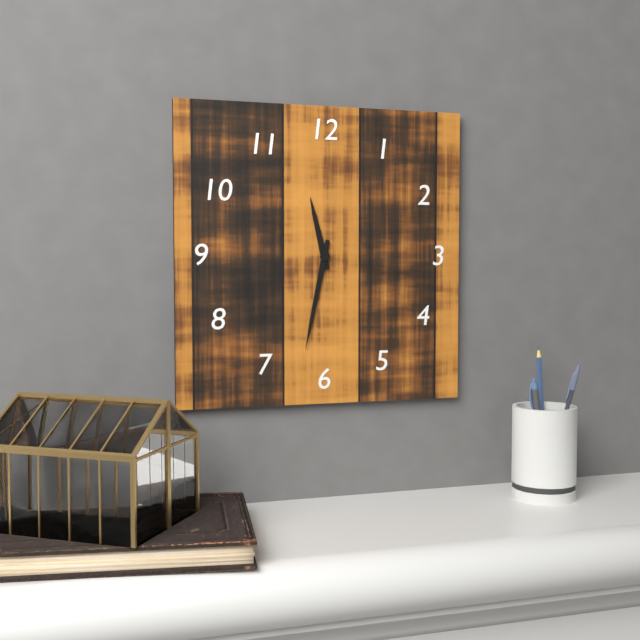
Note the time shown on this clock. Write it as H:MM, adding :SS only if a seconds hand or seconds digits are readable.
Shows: 11:32
